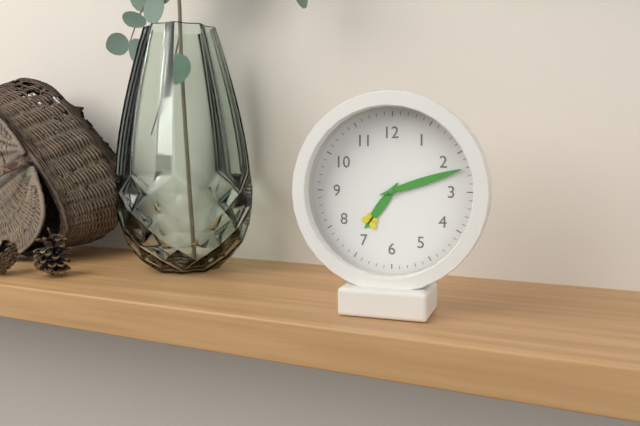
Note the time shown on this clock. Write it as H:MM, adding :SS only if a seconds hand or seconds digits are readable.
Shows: 7:12
